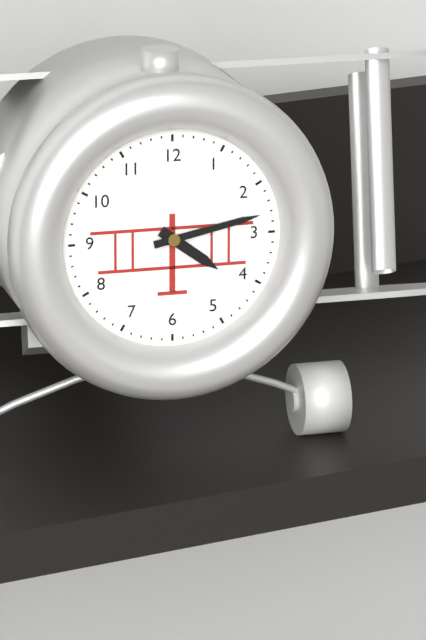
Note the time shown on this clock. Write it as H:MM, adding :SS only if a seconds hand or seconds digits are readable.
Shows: 4:13
